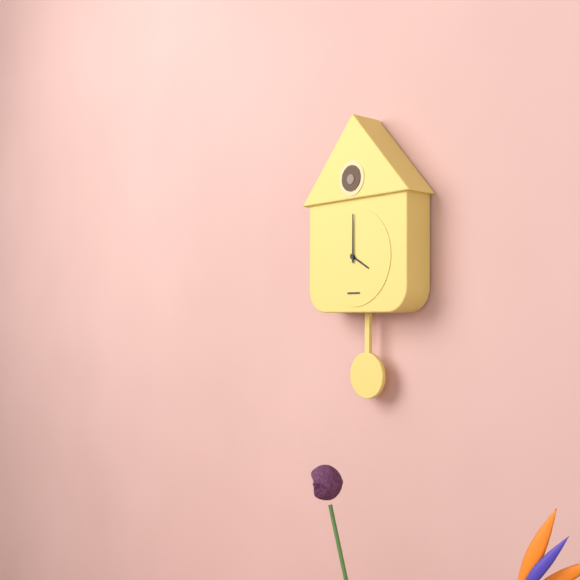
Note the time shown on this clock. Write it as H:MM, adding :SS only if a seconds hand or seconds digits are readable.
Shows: 4:00
